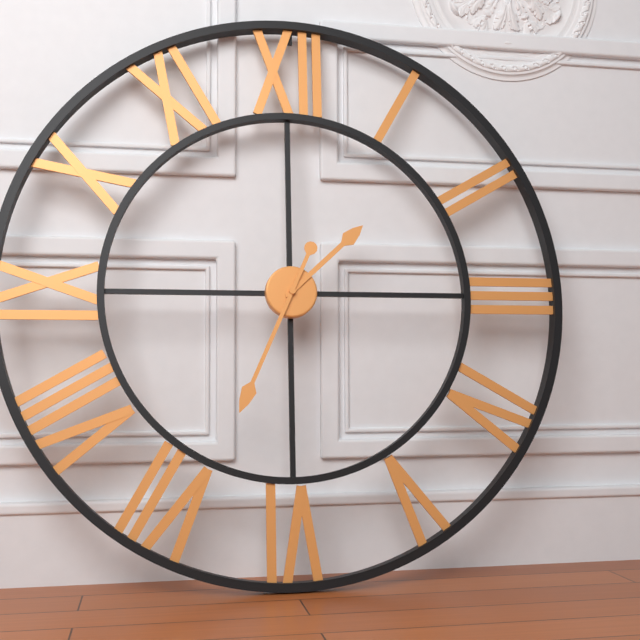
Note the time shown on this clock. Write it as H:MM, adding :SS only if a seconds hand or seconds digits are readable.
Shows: 1:34
